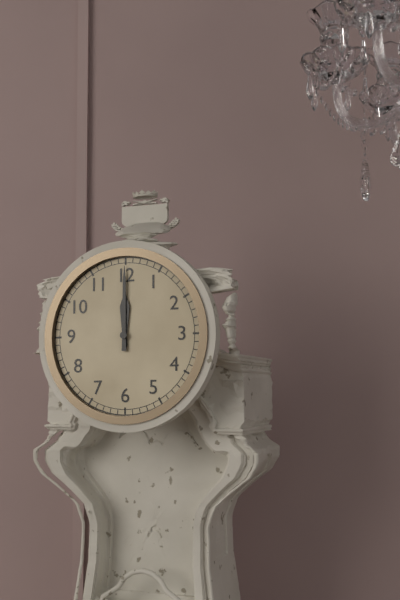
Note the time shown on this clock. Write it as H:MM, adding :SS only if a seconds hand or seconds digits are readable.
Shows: 12:00
